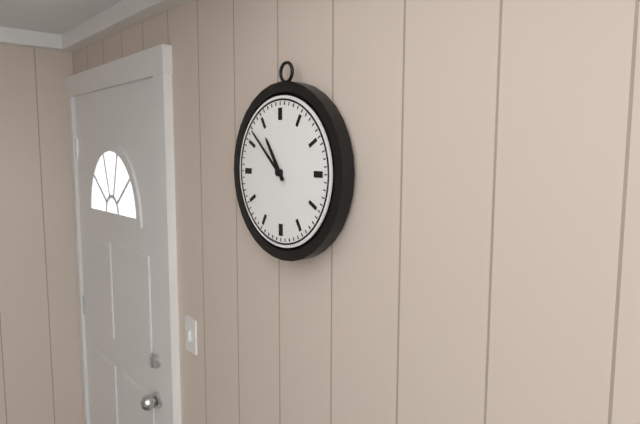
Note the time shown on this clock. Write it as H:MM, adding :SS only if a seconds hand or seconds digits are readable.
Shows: 10:52
